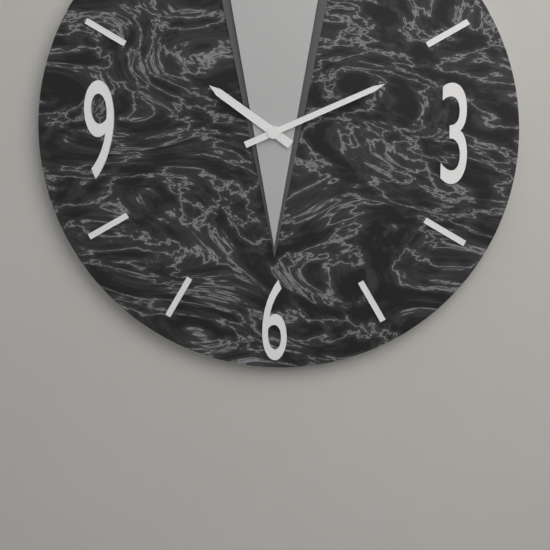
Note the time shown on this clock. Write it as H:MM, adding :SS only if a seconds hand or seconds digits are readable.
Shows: 10:11
